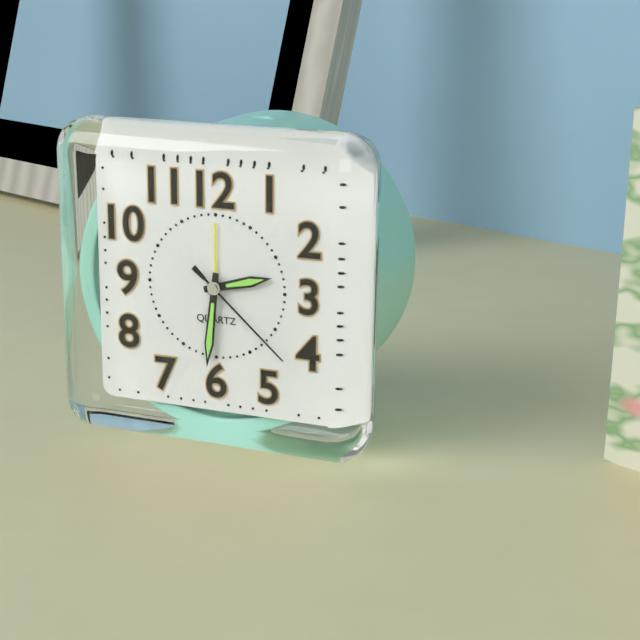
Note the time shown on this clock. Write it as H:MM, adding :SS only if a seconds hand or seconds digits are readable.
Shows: 2:31:22
